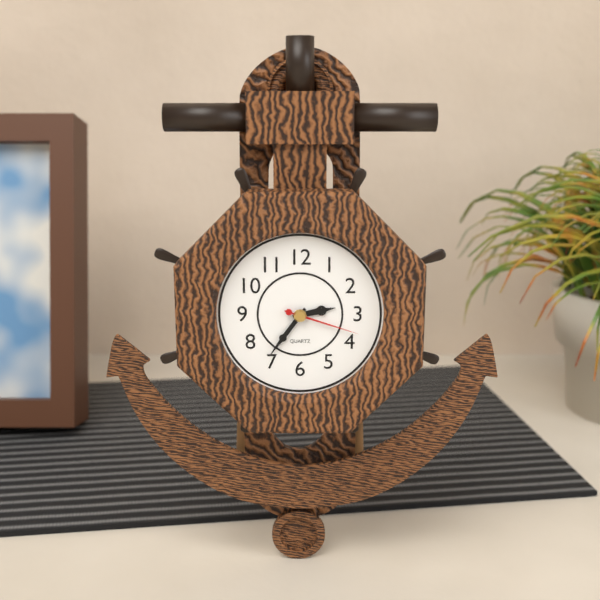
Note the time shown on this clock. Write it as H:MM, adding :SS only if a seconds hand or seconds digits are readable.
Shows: 2:36:18
